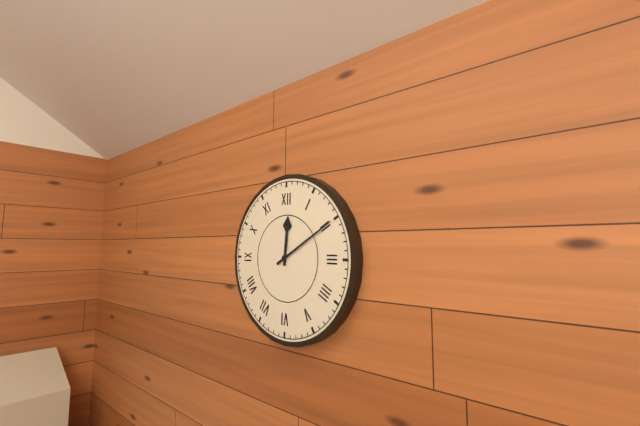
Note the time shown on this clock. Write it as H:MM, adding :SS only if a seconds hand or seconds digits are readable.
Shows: 12:10
